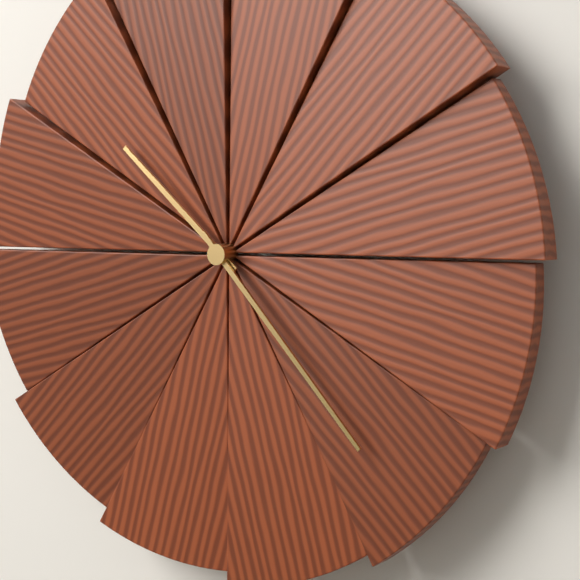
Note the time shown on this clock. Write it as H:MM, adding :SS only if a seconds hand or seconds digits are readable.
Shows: 10:23
